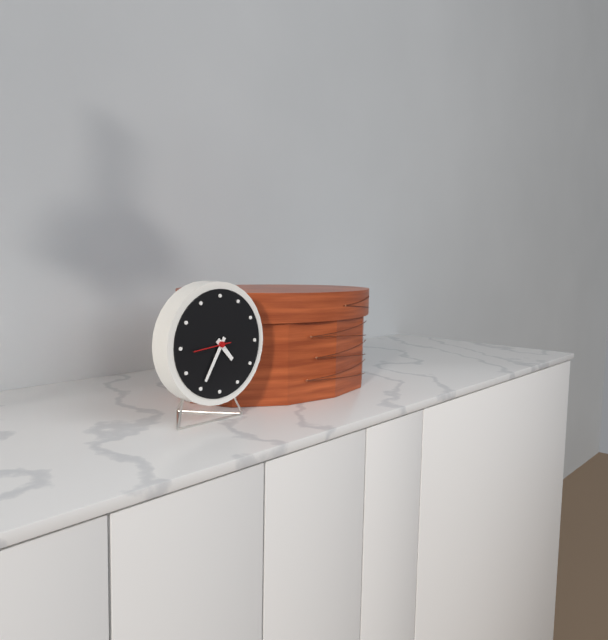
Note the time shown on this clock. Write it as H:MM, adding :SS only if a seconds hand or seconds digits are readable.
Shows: 4:35
